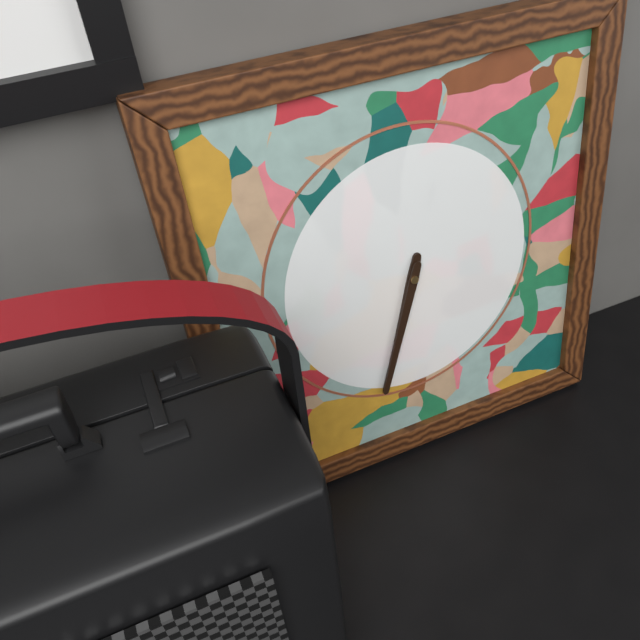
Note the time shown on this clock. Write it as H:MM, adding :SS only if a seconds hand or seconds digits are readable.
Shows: 6:33
